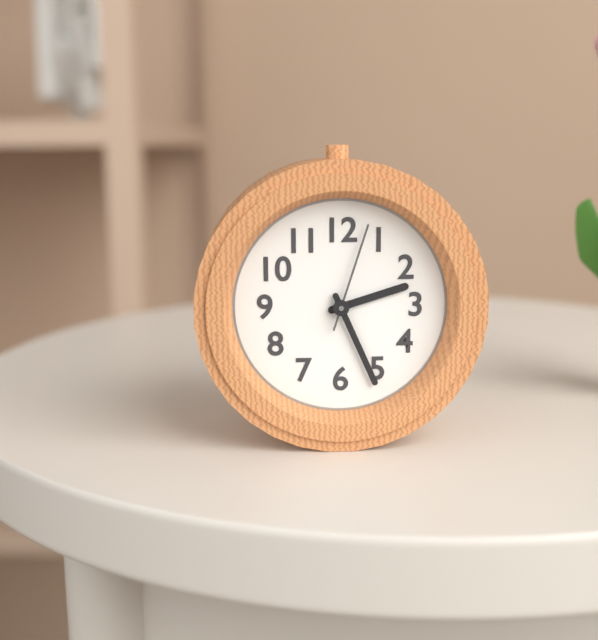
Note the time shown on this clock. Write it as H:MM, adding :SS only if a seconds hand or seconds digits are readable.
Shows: 2:26:03
